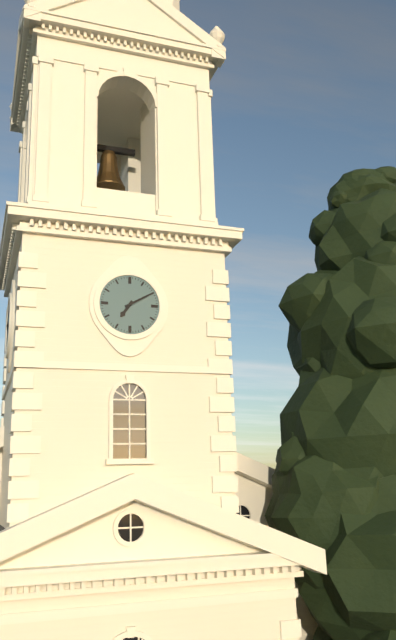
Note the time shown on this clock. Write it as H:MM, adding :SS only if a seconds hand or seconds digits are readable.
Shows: 7:10
